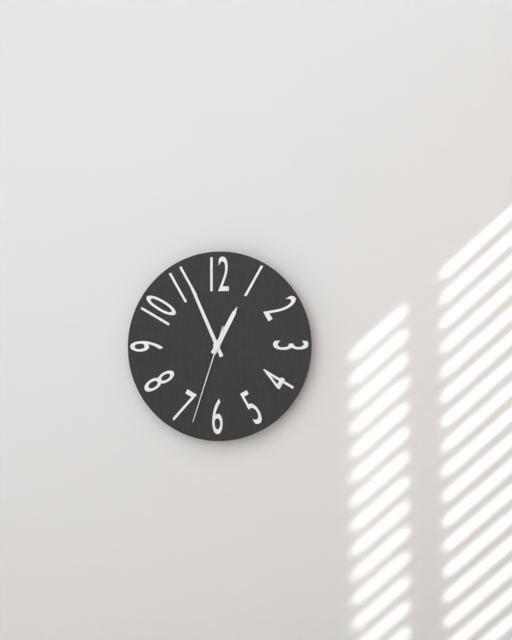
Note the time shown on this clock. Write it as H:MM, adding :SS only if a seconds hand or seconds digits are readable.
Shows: 12:56:33
